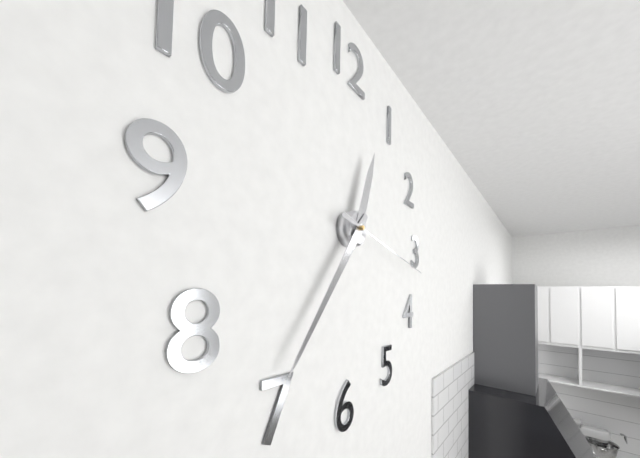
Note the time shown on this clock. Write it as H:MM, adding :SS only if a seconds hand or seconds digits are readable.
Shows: 12:36:17
